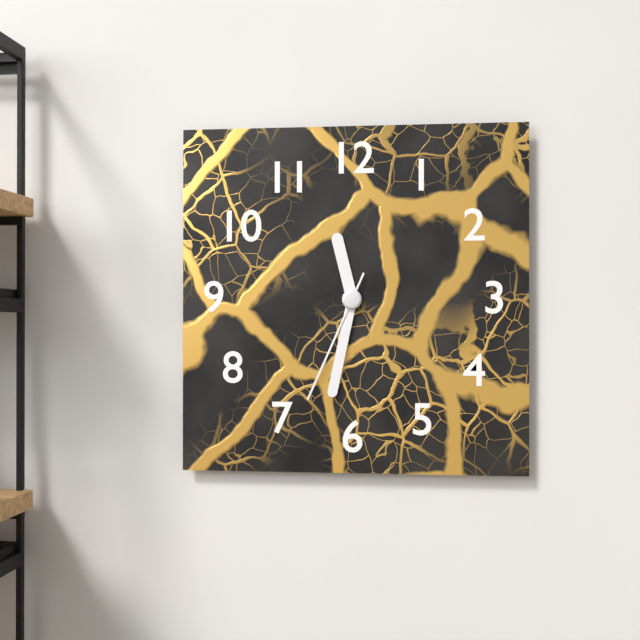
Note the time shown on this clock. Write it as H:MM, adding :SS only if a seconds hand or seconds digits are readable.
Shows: 11:32:34
